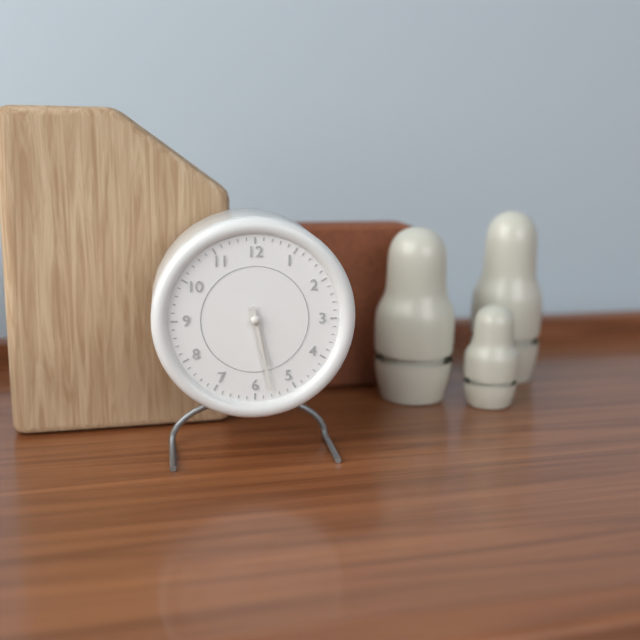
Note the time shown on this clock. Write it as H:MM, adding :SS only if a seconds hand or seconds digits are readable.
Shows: 5:28
